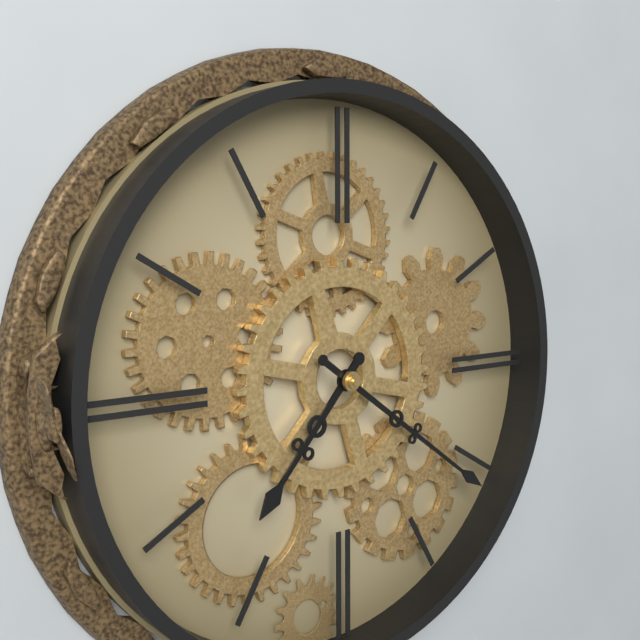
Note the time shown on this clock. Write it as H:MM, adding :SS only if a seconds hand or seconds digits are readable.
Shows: 7:21
